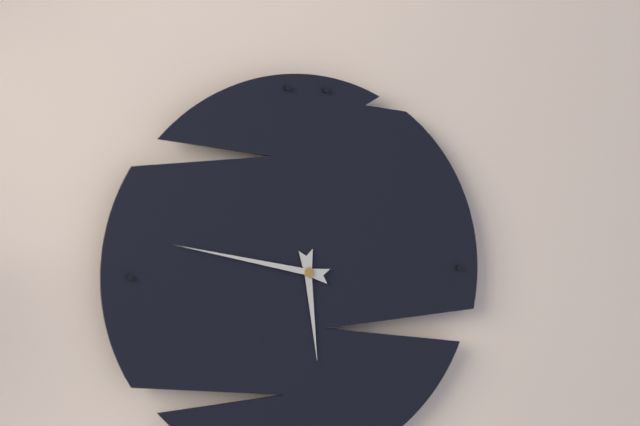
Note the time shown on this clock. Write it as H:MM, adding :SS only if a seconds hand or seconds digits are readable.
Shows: 5:47
